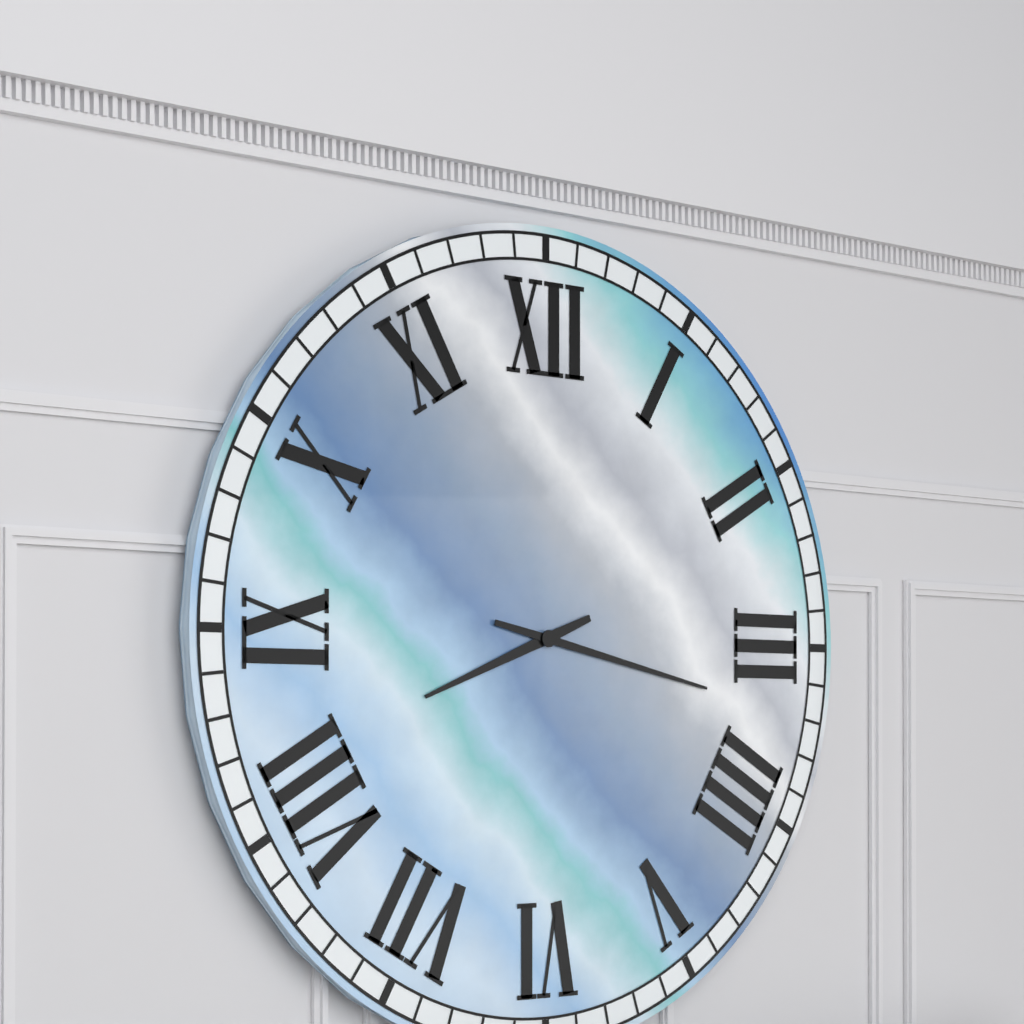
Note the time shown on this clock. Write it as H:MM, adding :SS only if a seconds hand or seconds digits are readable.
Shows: 8:17
